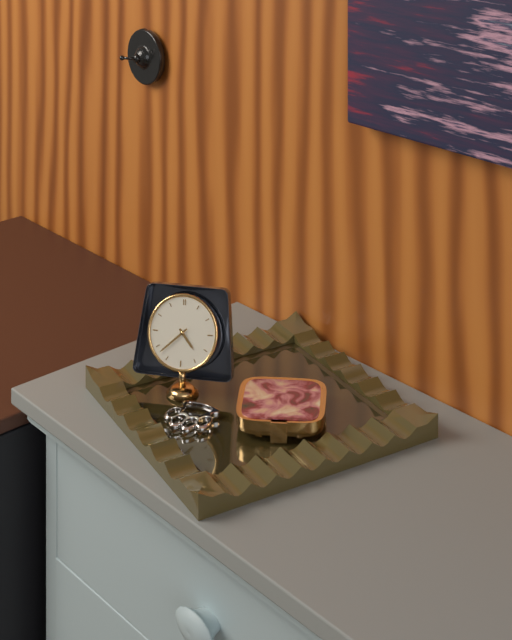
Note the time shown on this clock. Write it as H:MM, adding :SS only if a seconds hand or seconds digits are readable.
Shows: 4:38
